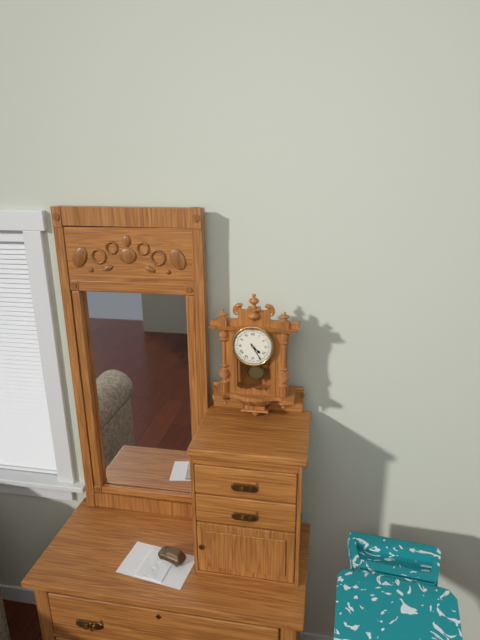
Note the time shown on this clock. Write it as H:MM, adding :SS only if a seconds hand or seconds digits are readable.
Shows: 4:25
